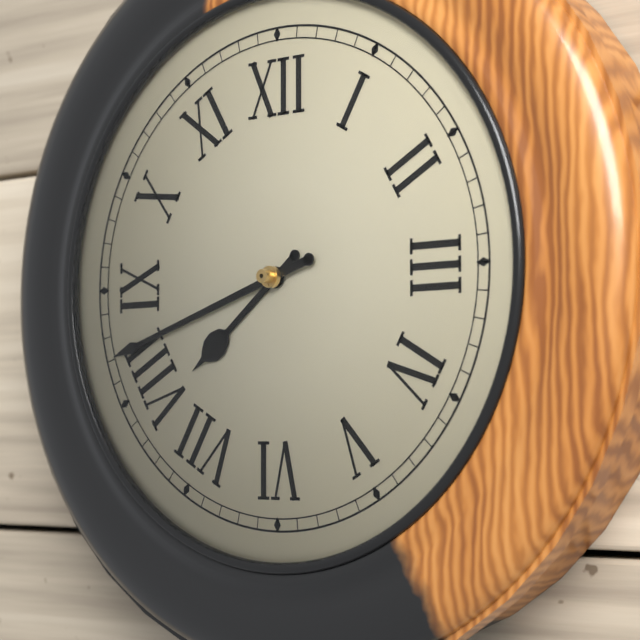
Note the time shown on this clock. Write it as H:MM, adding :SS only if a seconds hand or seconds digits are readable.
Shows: 7:42
